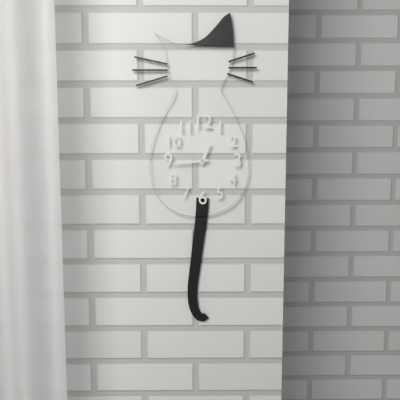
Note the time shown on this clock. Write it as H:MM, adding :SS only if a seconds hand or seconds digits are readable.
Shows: 12:44
